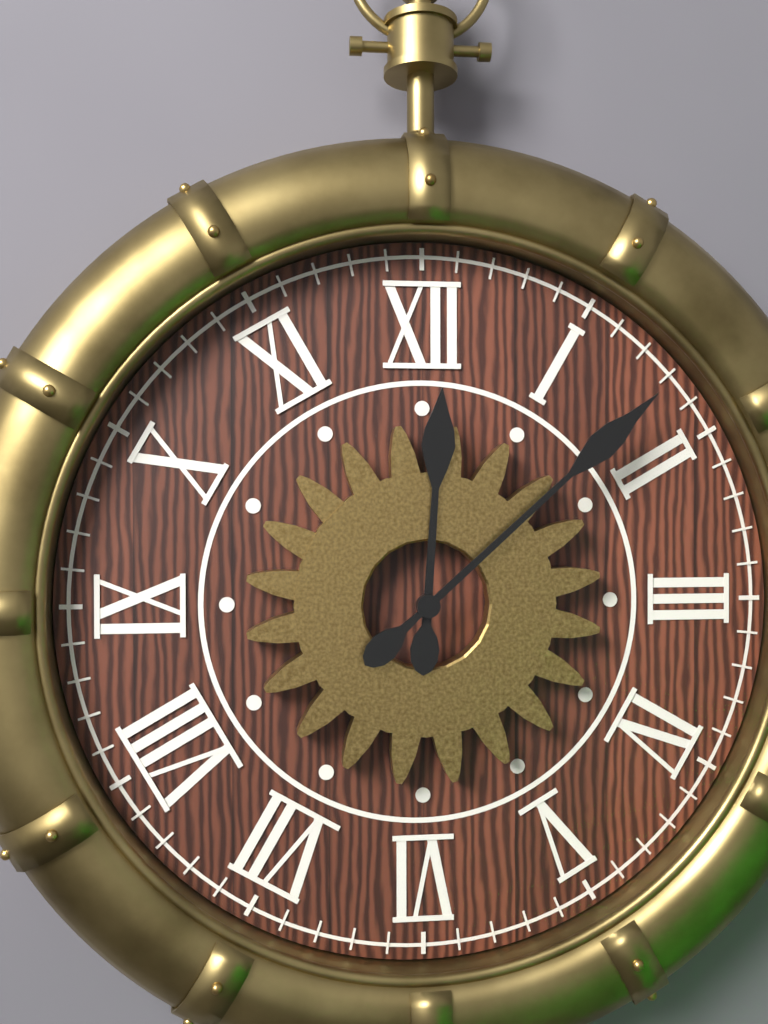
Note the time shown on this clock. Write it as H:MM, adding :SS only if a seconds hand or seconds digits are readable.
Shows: 12:08
